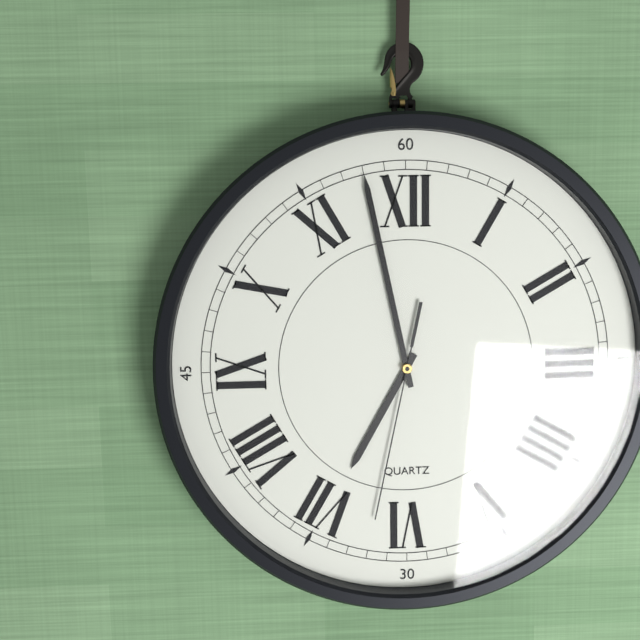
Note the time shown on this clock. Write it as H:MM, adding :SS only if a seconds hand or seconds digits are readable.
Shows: 6:58:32
